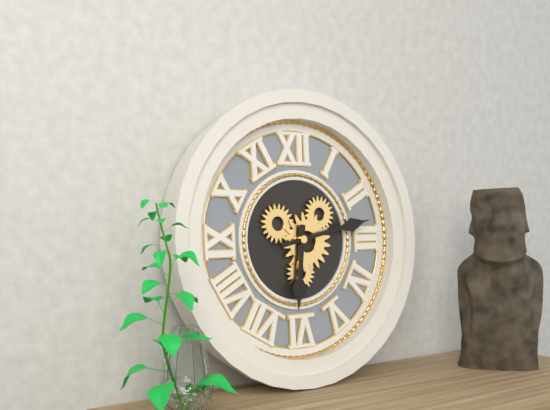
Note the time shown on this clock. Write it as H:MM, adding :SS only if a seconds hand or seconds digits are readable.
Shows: 6:13
